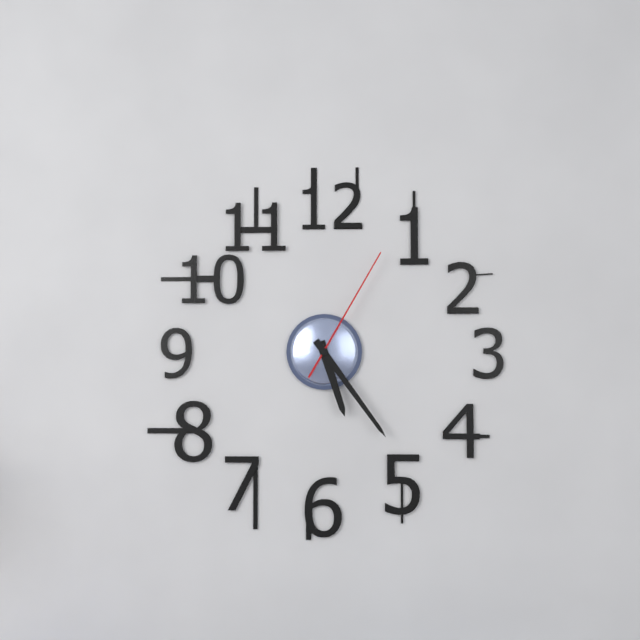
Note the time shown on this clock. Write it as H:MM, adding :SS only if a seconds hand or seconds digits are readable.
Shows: 5:24:05
